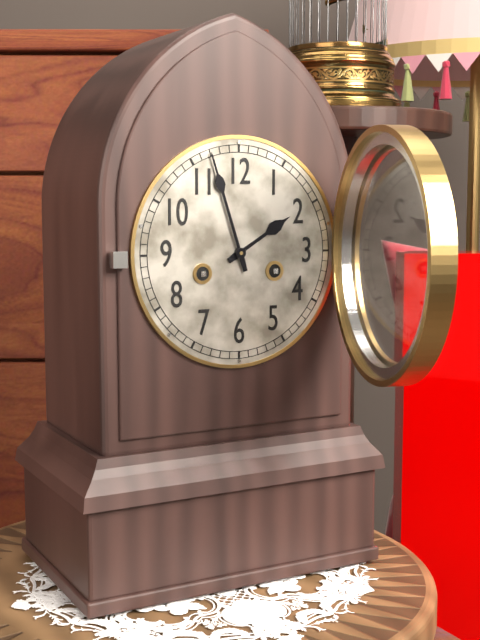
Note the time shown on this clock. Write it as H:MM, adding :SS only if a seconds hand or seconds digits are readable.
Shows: 1:57
